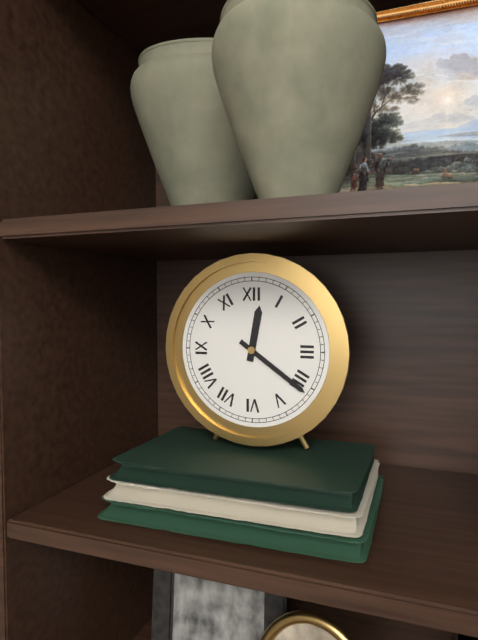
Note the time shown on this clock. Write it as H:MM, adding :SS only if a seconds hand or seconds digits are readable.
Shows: 12:21
